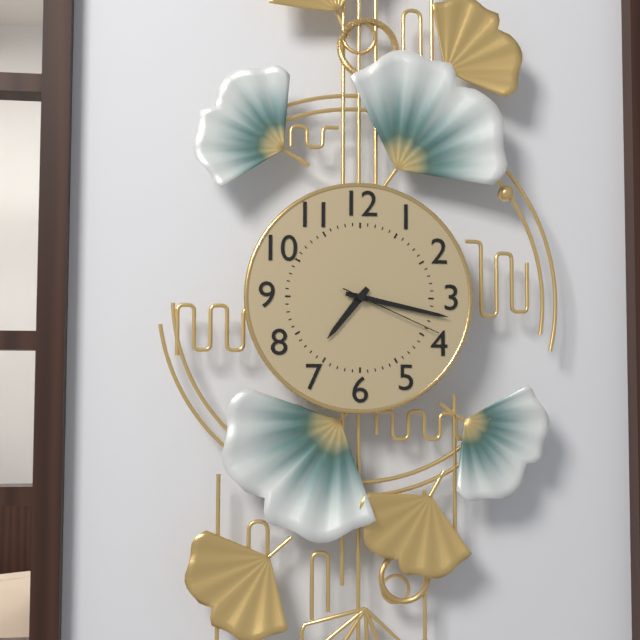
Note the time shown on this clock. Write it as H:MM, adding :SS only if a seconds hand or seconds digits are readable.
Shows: 7:17:19
